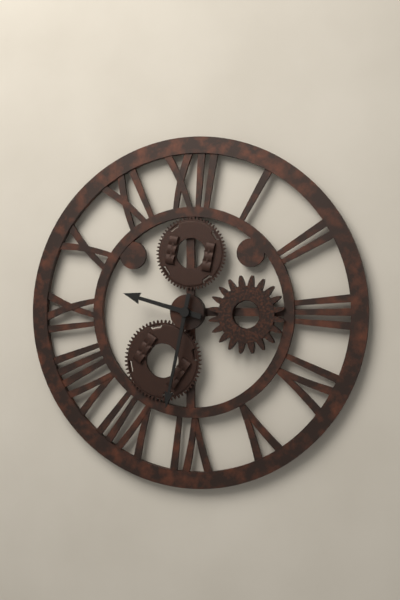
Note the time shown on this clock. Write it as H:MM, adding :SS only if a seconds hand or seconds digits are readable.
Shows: 9:32
